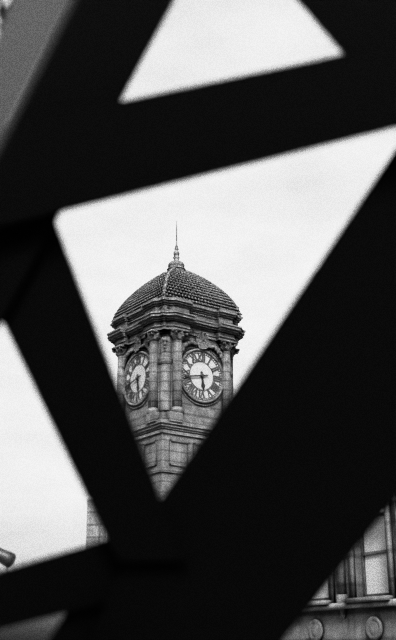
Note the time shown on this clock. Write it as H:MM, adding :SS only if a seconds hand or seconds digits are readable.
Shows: 5:43
